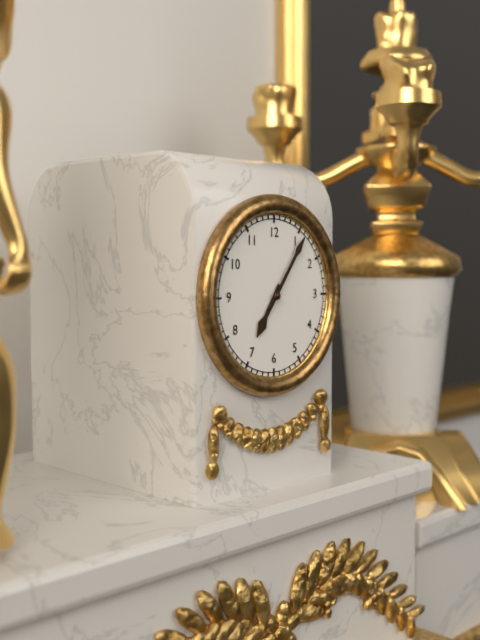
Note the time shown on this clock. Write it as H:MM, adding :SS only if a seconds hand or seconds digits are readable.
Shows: 7:06
